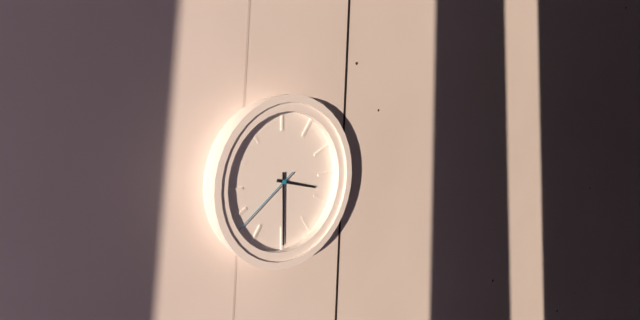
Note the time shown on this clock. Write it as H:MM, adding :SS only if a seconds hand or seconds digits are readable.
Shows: 3:30:39
